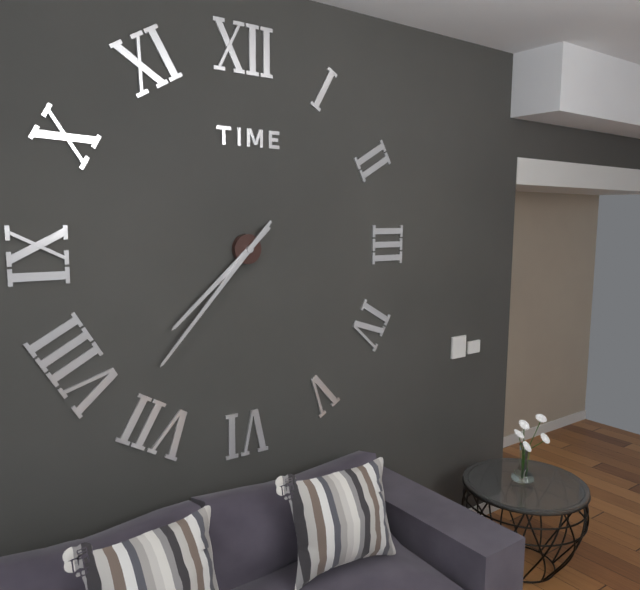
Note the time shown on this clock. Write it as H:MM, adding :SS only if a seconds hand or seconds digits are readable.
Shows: 7:37
